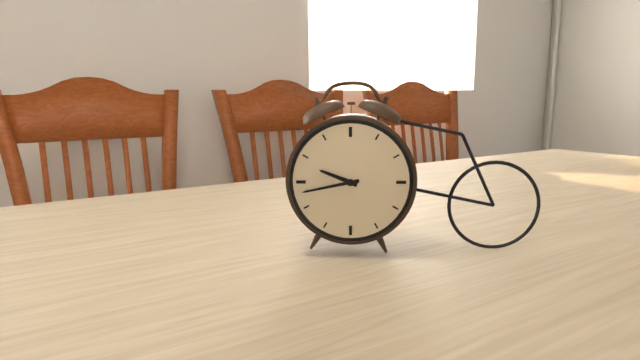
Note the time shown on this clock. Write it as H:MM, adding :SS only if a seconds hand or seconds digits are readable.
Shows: 9:43
